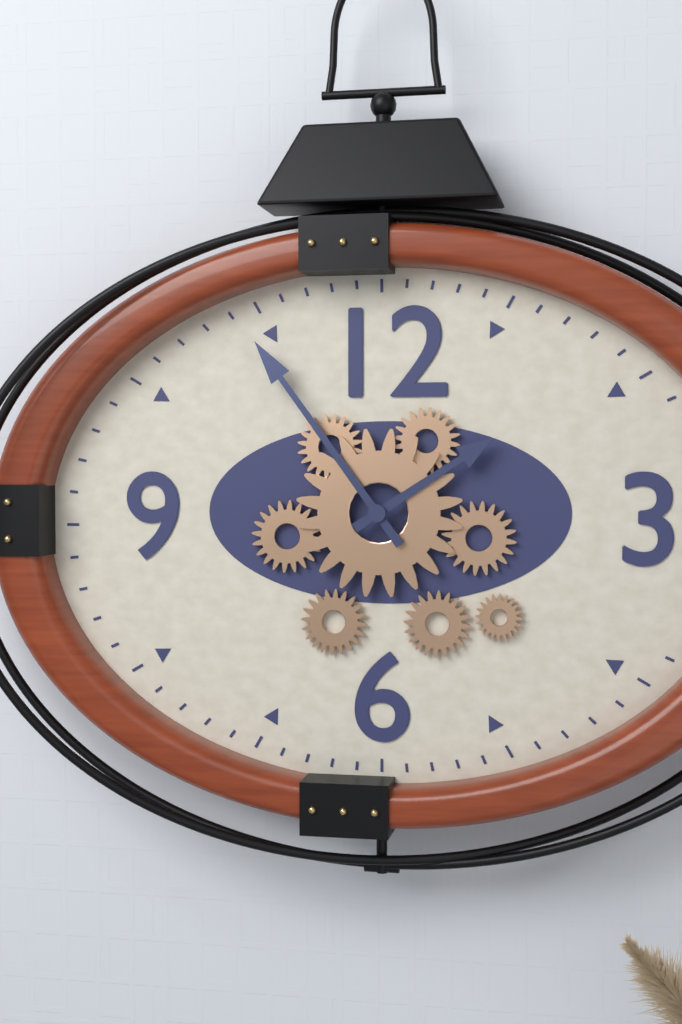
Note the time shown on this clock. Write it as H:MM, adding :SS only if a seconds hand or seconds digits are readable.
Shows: 1:54
